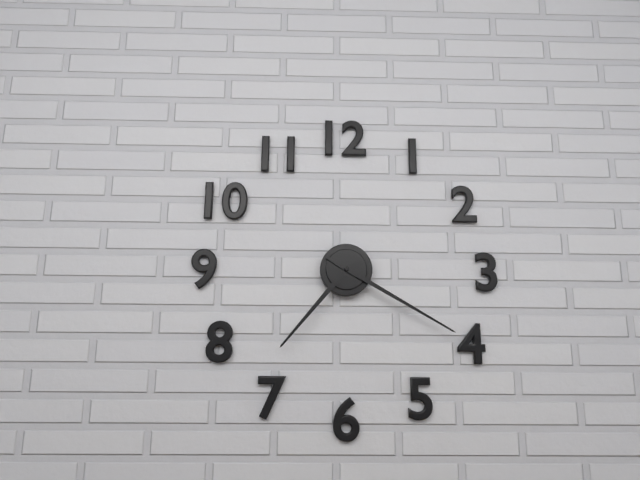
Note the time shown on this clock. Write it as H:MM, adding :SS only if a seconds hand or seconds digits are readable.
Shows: 7:20
